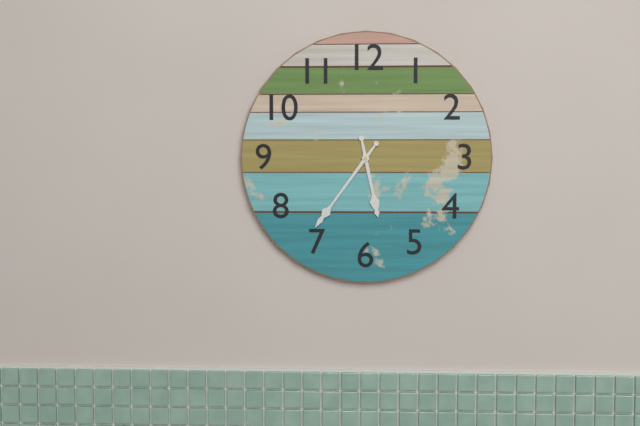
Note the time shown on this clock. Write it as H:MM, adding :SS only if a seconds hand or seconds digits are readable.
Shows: 5:36
